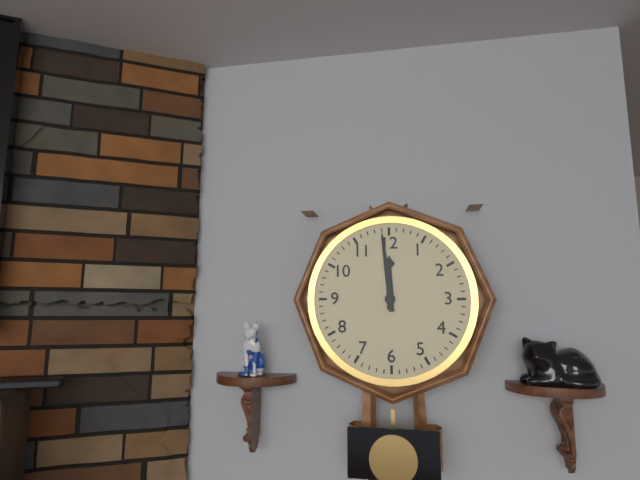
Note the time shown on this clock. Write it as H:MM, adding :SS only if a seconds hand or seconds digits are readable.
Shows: 11:59
